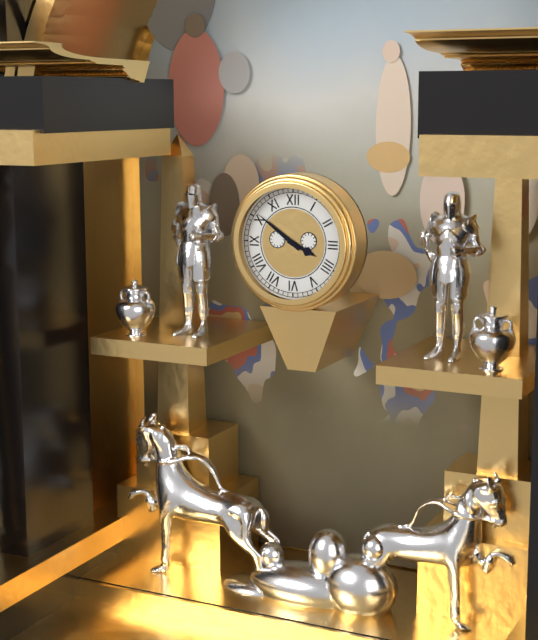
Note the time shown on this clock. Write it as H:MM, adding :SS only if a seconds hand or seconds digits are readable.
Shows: 3:51
